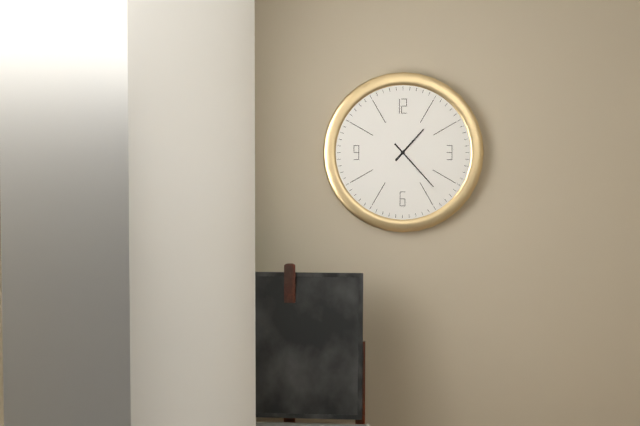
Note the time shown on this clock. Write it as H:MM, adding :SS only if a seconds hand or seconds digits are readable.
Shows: 1:23
